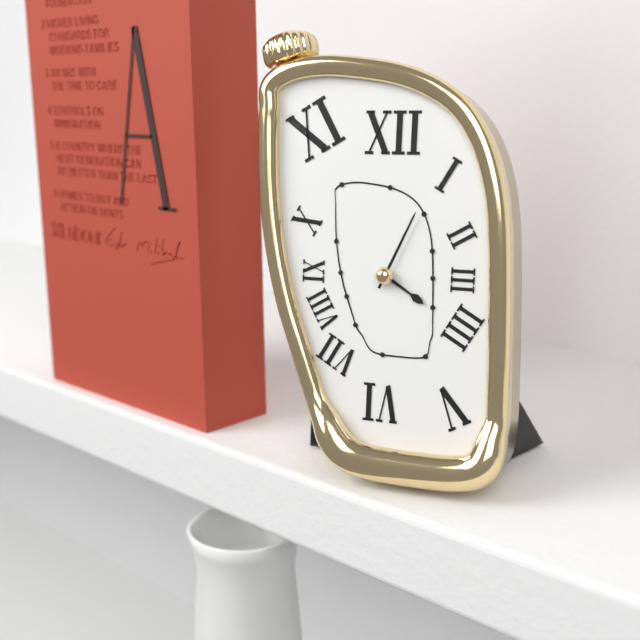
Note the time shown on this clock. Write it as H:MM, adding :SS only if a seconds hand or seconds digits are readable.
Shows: 4:04
